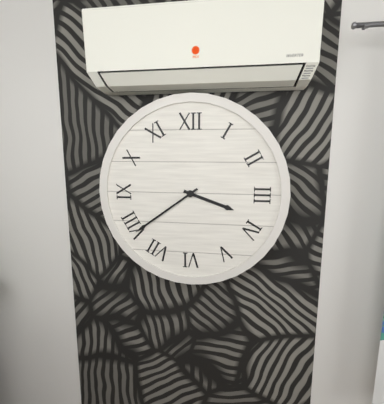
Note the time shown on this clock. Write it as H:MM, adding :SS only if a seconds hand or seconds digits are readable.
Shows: 3:39
